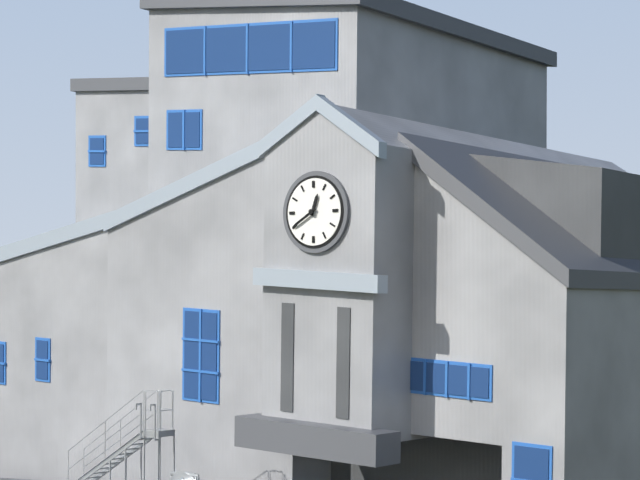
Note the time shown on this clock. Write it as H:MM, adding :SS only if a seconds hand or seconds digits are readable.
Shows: 12:40
